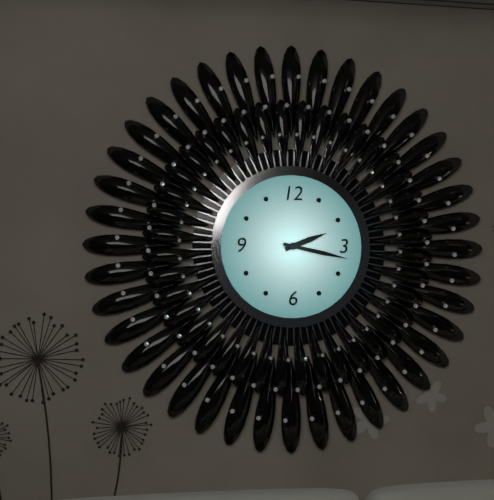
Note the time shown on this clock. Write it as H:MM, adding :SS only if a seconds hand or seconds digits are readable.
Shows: 2:17
